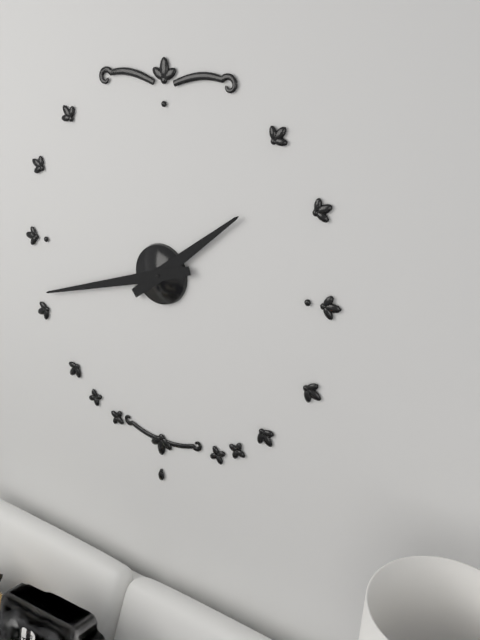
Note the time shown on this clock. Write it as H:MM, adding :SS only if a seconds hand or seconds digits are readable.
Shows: 1:42
